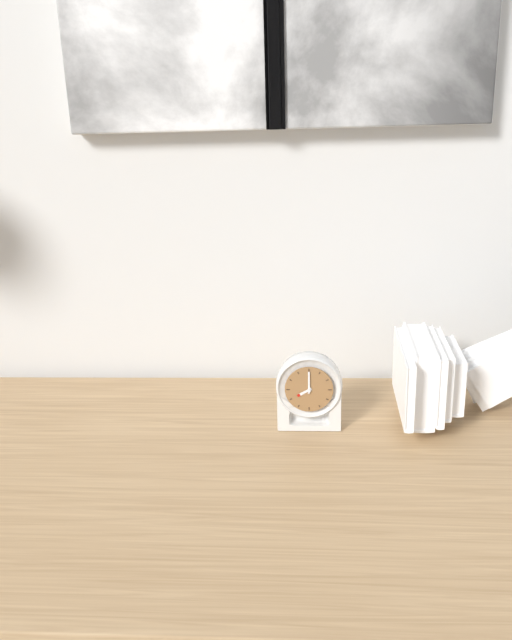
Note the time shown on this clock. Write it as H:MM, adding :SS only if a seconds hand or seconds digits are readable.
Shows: 8:00
